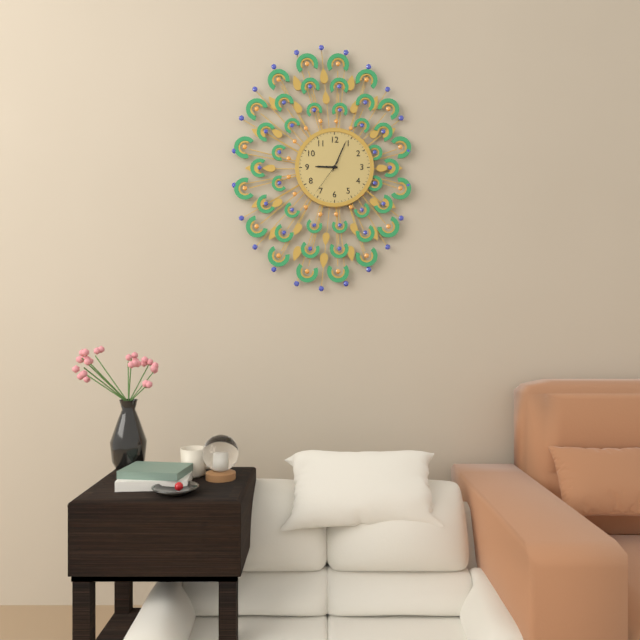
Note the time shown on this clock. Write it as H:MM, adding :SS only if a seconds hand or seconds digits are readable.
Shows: 9:04
